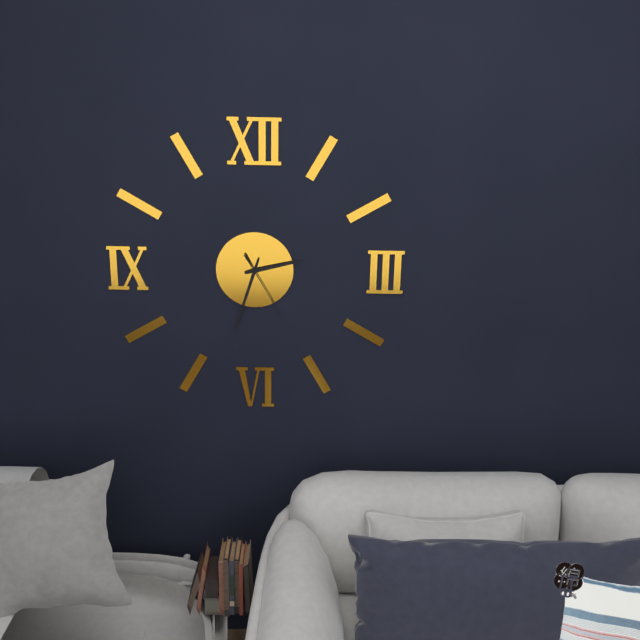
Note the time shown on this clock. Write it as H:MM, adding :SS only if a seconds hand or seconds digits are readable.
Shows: 2:33:25
